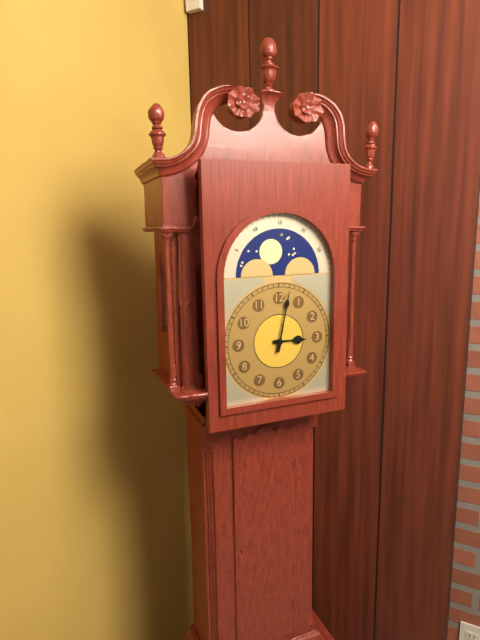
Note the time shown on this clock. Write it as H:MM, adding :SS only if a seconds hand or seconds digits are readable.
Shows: 3:02
